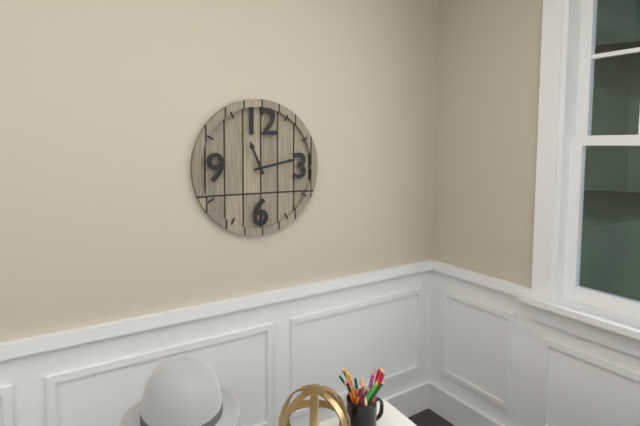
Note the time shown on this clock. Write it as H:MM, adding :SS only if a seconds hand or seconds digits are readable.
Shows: 11:13
